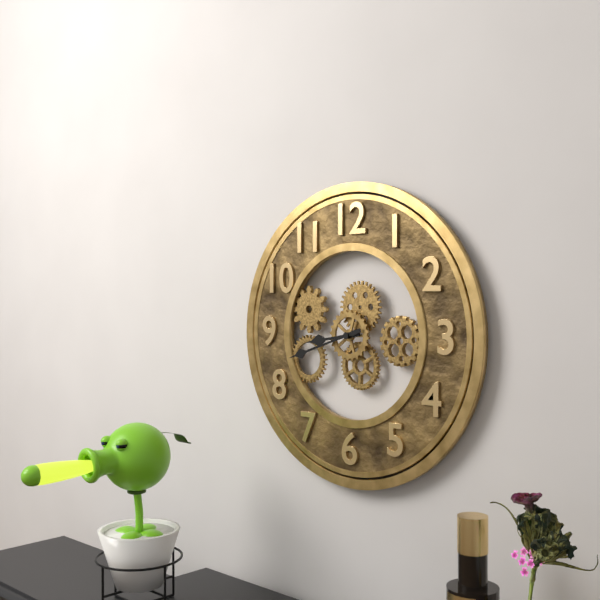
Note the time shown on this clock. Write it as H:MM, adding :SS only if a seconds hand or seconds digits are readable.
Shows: 8:42
